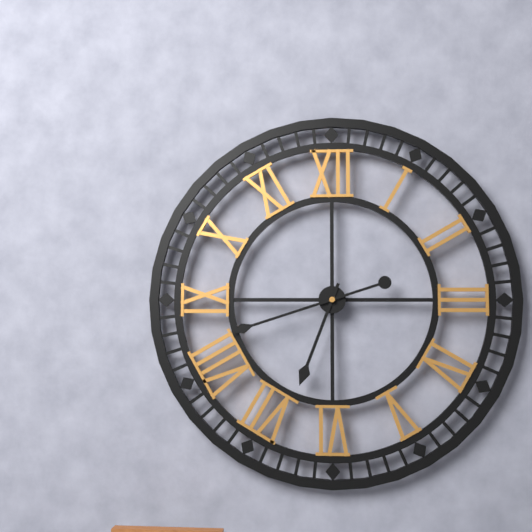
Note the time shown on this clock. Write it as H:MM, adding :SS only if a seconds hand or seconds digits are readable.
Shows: 6:42
